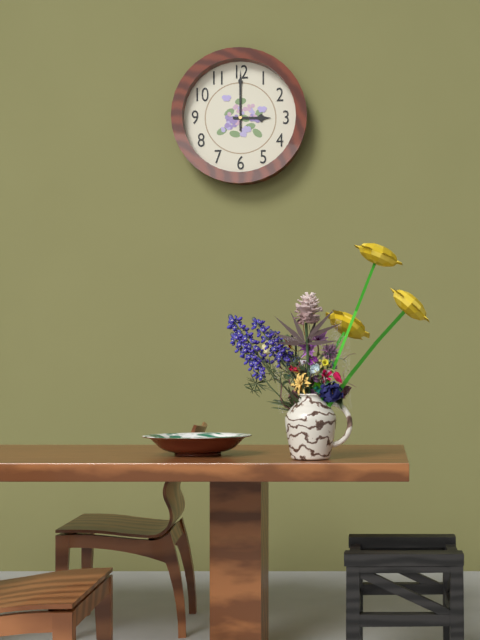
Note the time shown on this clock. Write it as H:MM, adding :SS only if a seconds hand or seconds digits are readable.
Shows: 3:00
